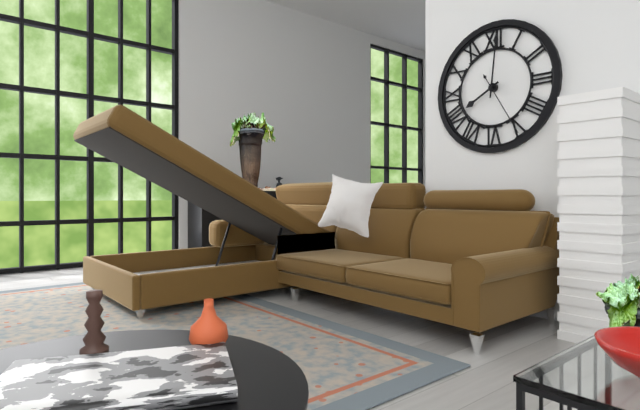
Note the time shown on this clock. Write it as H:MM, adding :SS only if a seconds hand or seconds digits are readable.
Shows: 8:01:25
